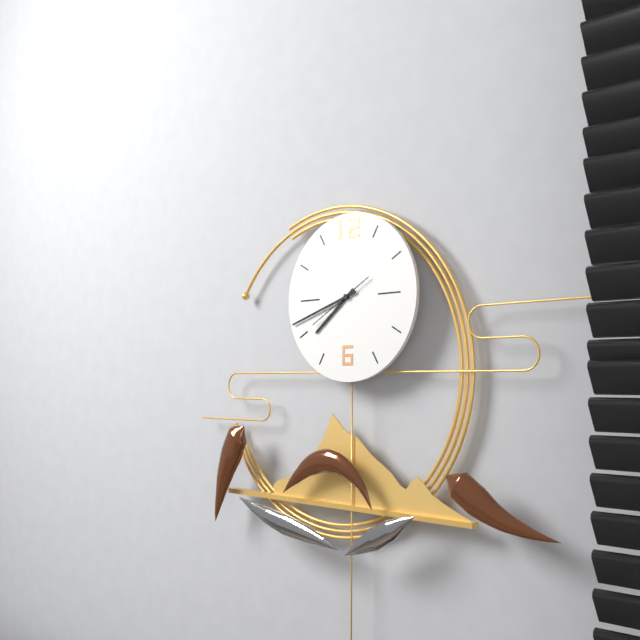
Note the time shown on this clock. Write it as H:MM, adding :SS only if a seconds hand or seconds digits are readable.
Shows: 7:42:40
